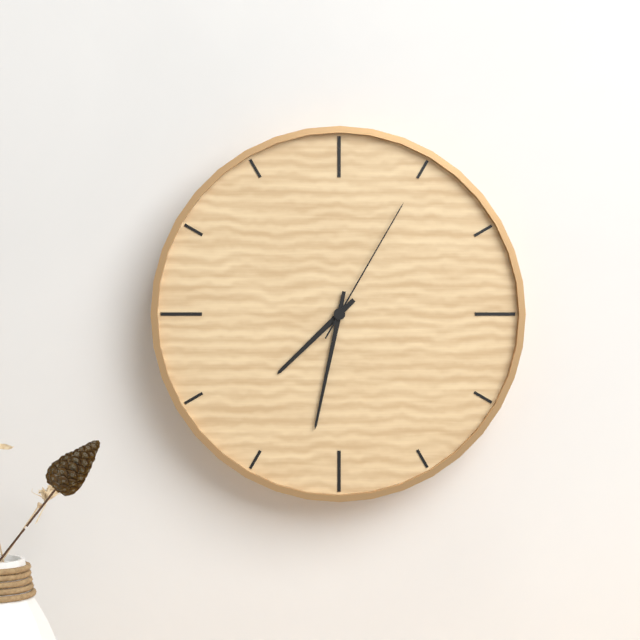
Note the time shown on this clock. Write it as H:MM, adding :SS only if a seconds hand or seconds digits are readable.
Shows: 7:32:05
